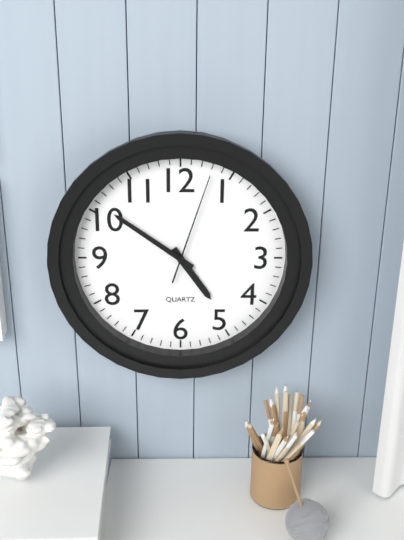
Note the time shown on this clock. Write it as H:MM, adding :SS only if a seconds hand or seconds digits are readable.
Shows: 4:51:03
